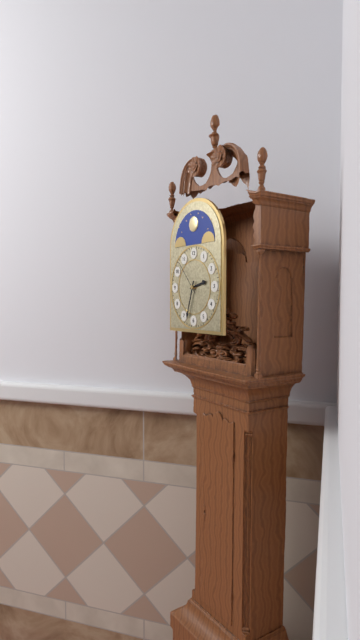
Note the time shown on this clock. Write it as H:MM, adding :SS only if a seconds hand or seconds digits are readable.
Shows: 2:33
